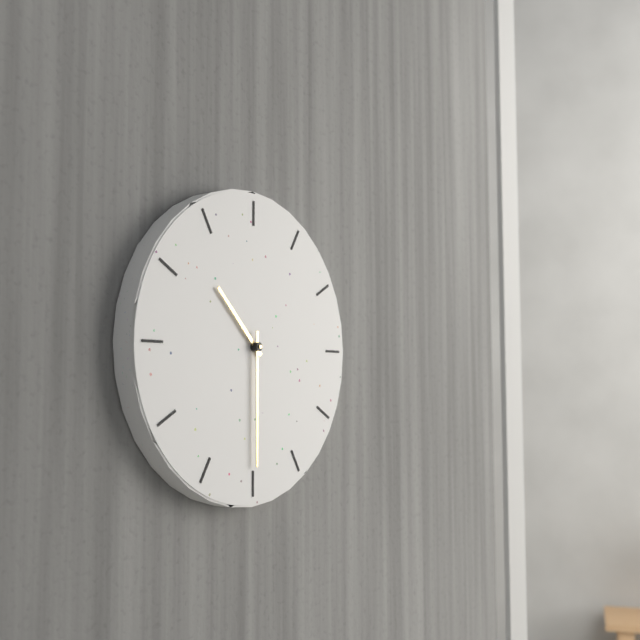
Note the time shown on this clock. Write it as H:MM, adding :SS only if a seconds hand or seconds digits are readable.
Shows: 10:30
